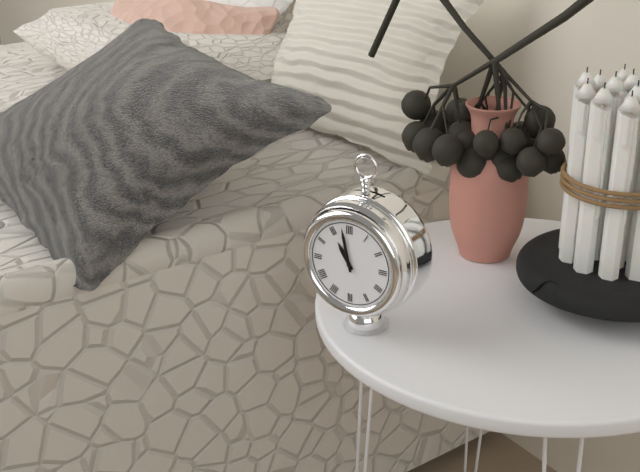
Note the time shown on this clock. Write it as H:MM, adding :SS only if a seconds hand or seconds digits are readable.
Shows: 10:58
